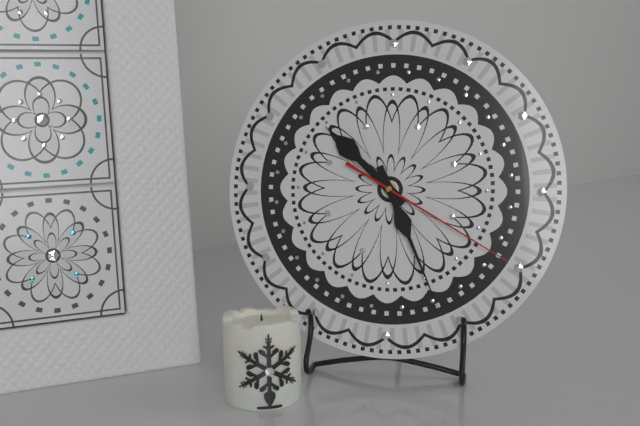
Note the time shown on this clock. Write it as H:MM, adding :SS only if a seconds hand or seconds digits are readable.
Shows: 10:26:20
